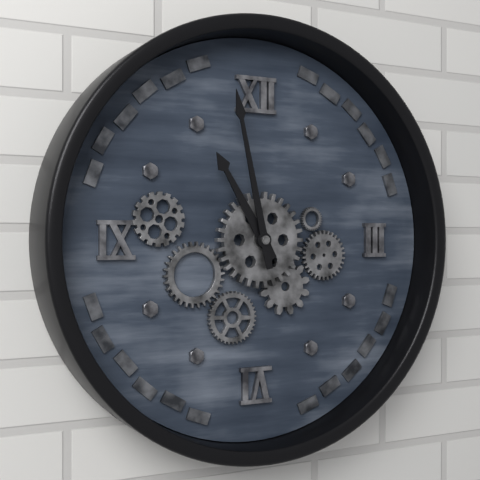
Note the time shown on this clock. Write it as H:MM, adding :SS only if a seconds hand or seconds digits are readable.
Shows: 10:58
